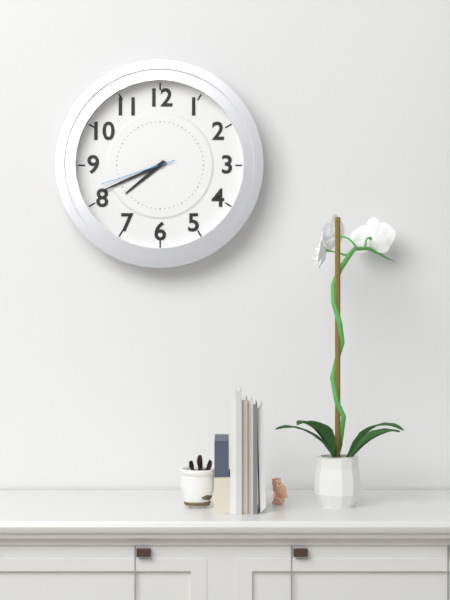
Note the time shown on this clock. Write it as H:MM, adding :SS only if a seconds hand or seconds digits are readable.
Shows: 7:41:42
